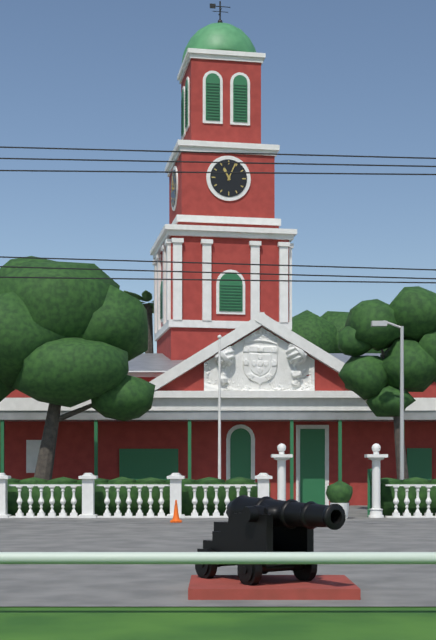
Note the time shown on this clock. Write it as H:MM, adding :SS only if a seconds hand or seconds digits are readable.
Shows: 11:04
